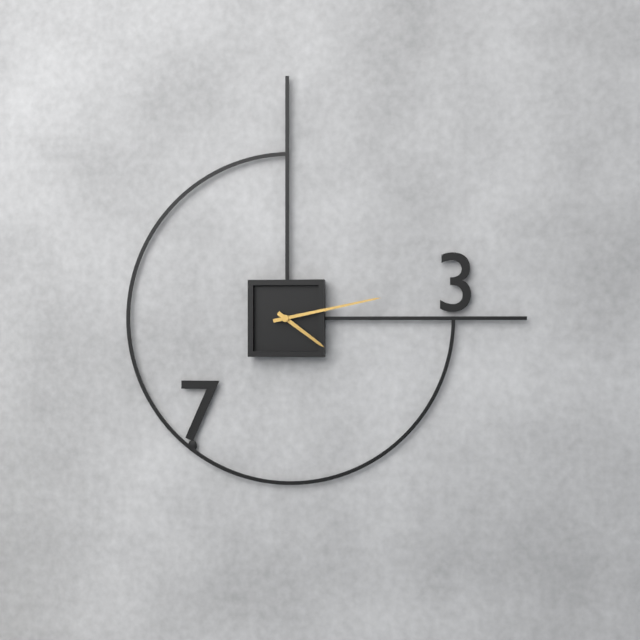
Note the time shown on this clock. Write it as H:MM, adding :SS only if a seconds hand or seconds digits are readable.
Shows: 4:13
